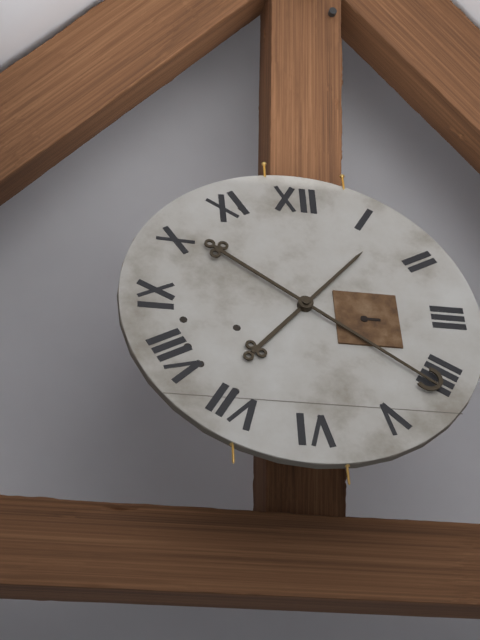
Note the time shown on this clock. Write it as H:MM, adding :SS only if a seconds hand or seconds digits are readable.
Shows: 1:21
